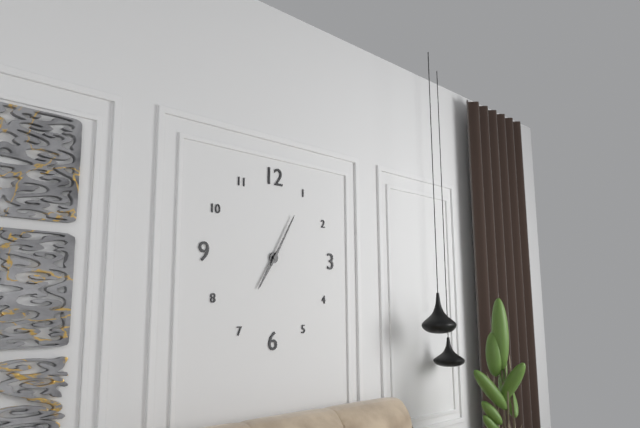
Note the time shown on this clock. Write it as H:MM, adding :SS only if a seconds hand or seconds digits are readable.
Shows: 7:05
